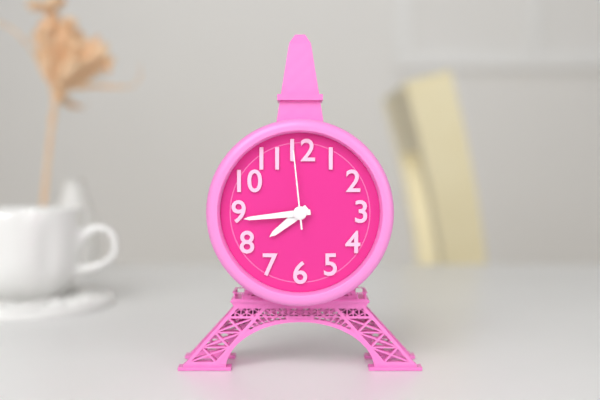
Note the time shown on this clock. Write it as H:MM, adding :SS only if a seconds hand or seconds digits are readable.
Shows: 7:44:59
